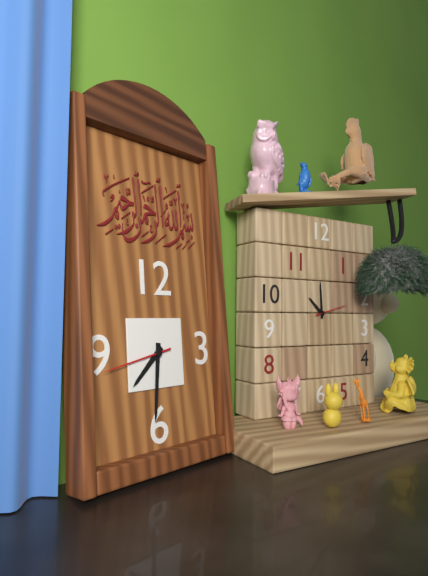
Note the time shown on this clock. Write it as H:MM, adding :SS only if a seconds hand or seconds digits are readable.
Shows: 7:31:43
